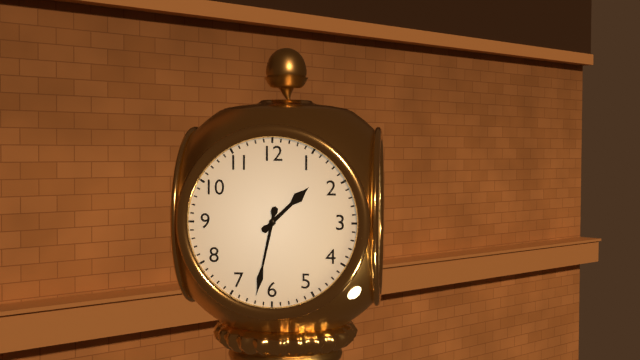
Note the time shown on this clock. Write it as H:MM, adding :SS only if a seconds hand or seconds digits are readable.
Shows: 1:32
